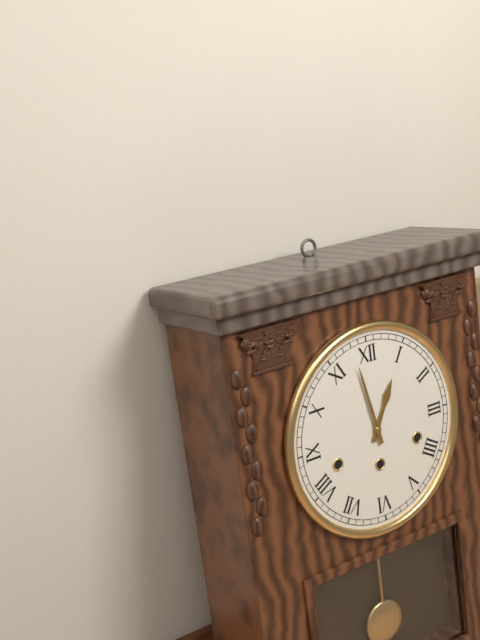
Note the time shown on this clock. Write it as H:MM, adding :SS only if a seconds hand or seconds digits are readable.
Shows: 12:58
